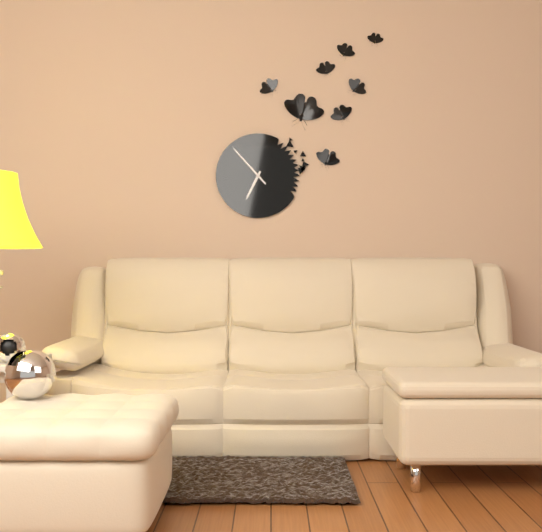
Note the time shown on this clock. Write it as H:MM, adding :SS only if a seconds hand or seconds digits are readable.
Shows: 6:53
